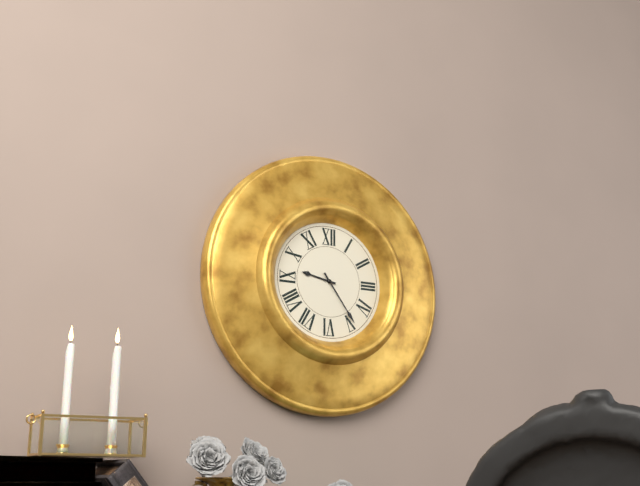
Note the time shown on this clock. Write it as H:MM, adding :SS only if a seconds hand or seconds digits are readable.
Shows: 9:24
